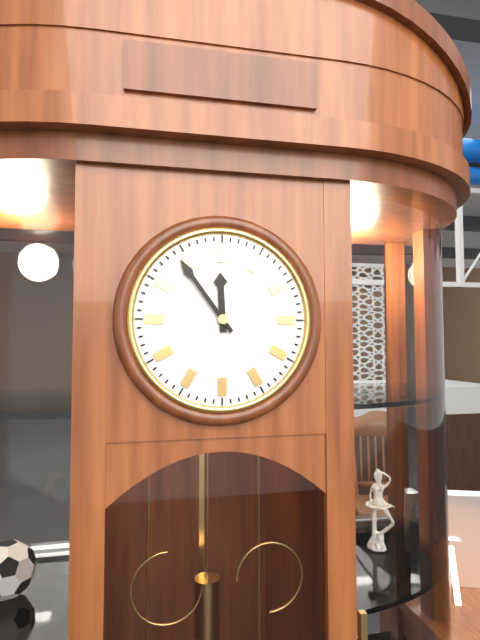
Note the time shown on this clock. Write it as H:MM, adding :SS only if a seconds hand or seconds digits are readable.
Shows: 11:54
